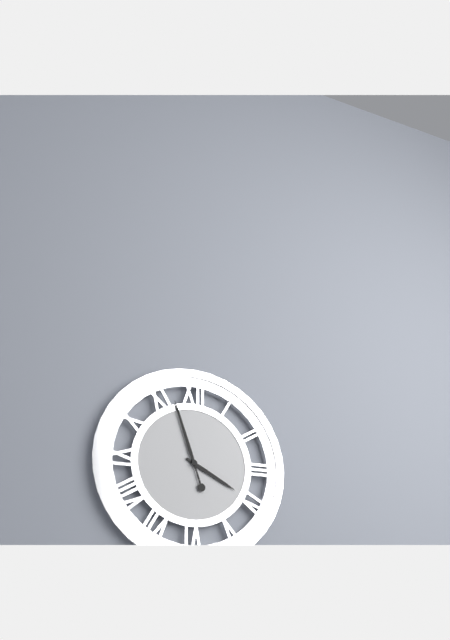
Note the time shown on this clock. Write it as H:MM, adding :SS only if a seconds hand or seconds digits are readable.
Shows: 3:57
